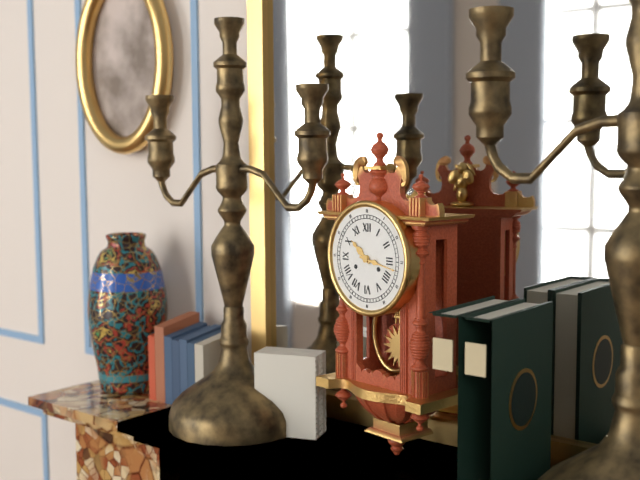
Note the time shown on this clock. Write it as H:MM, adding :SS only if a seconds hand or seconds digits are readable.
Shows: 10:17
